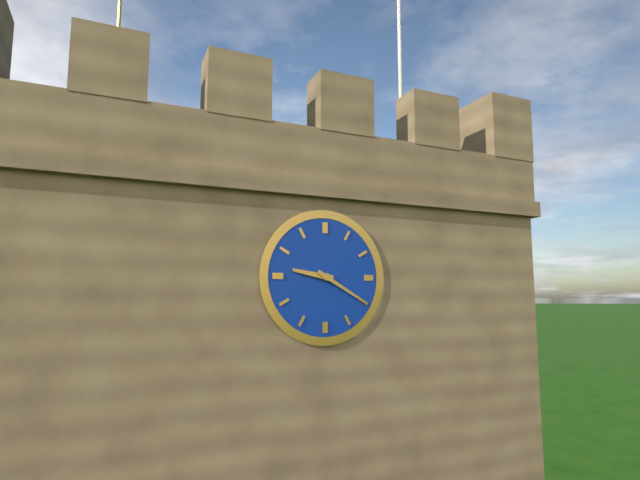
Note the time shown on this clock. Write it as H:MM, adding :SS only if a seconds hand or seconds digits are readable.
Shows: 9:20
